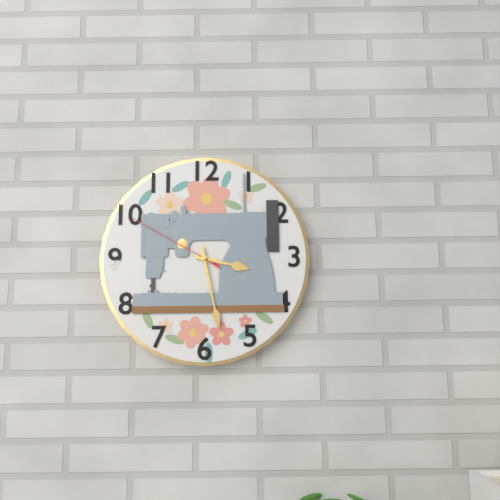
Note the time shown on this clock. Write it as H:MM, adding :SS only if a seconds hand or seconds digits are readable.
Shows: 3:28:50
